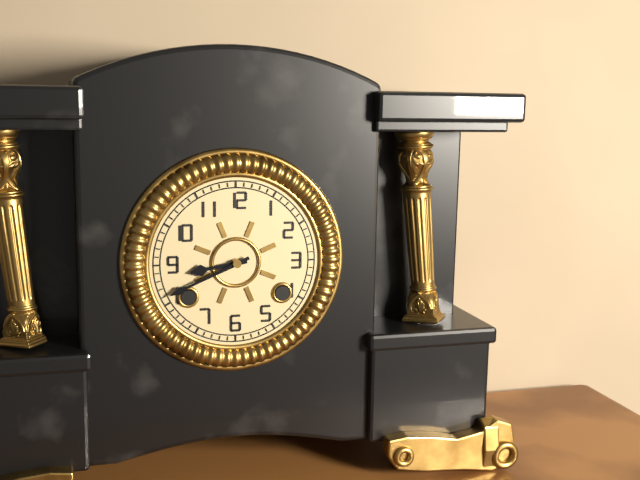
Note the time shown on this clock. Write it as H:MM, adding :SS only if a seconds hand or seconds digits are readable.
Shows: 8:41
